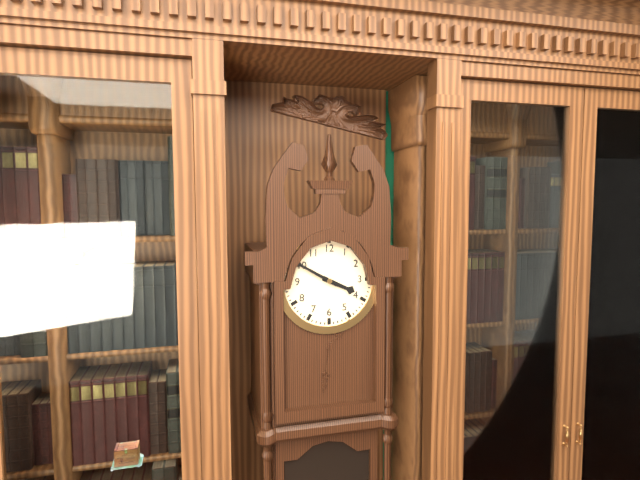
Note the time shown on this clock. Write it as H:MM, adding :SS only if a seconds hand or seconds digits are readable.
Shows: 3:50
